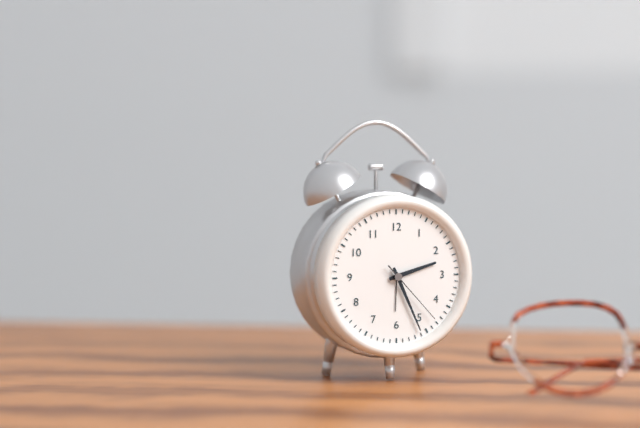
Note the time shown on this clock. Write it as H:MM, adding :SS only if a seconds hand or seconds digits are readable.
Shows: 2:26:23
